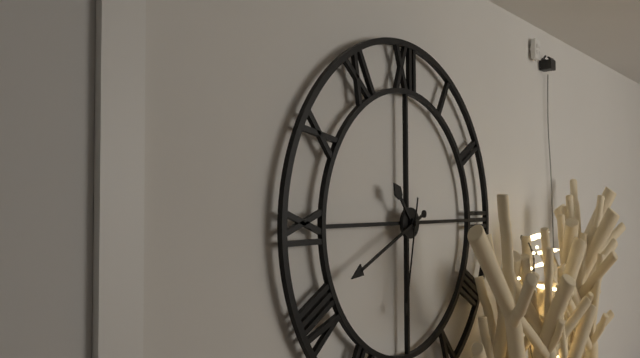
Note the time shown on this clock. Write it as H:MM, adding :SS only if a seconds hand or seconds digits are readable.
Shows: 10:41:32
